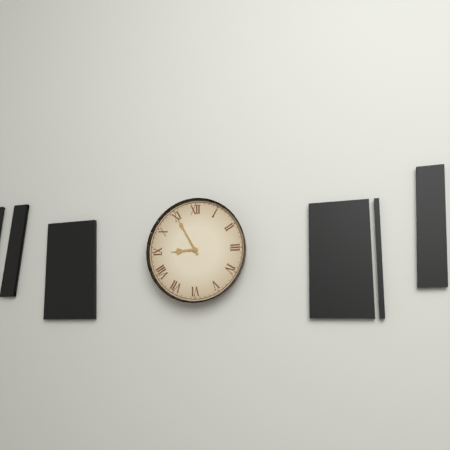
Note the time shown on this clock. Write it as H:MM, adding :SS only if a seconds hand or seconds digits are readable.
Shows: 8:55
